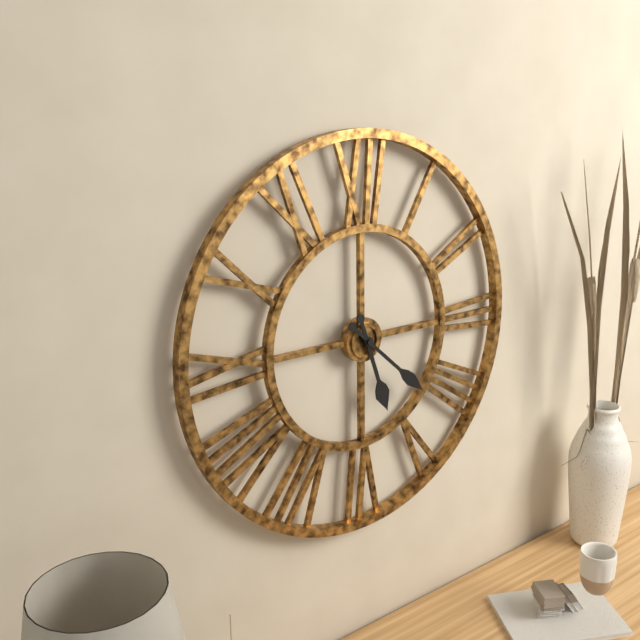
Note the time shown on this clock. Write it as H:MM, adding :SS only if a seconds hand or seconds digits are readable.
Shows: 5:22
